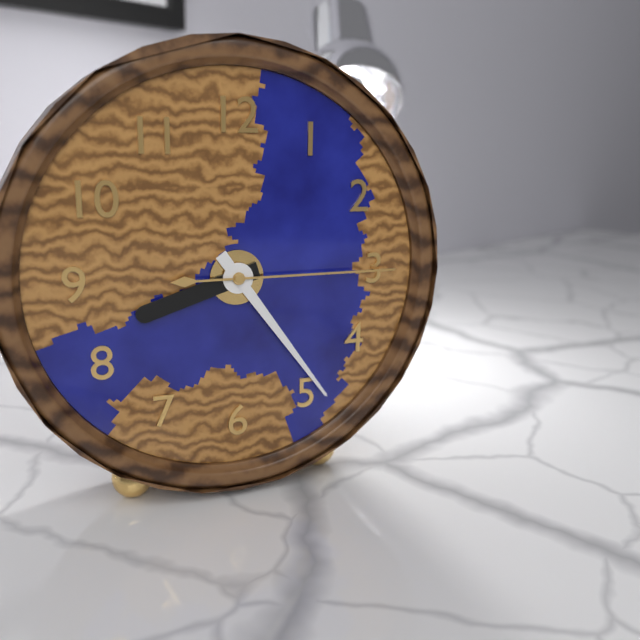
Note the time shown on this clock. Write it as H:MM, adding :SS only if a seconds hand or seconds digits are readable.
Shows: 8:24:15
